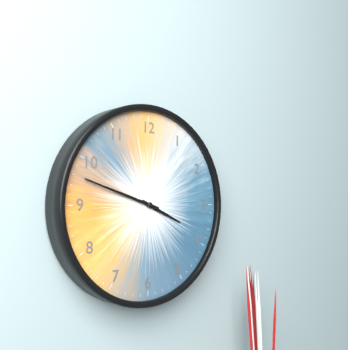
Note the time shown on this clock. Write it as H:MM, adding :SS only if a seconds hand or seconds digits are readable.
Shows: 3:48
